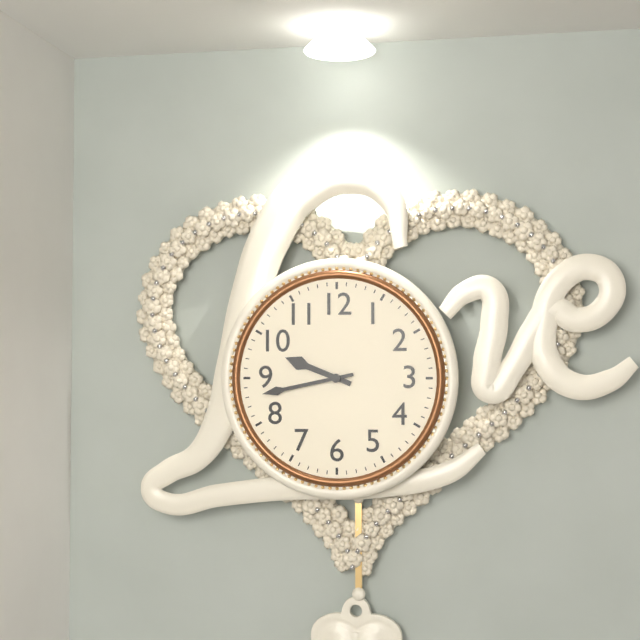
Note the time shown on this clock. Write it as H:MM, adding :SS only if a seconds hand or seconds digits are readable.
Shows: 9:43
